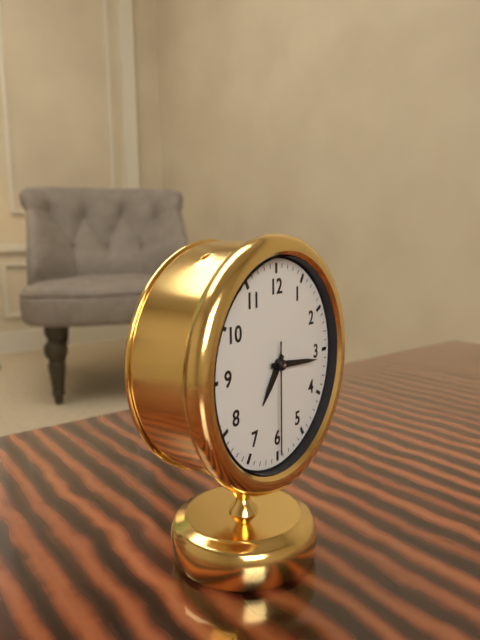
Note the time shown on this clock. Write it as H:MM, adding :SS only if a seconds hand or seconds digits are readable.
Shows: 7:16:30
